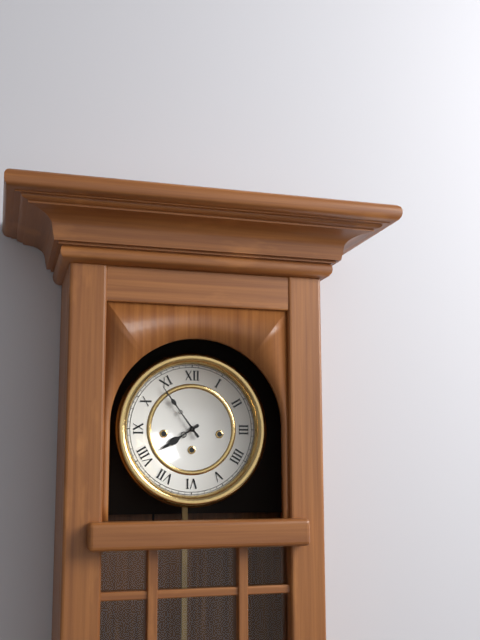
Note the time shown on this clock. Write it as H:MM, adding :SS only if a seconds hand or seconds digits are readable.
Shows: 7:54
